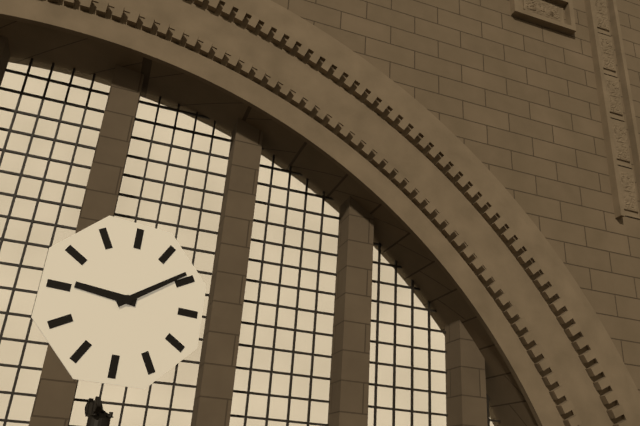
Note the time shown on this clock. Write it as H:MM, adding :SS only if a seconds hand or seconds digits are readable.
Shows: 9:09
